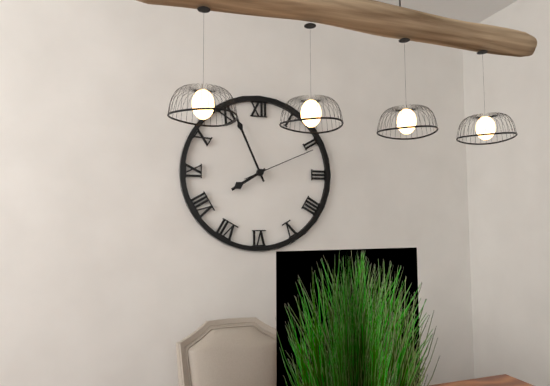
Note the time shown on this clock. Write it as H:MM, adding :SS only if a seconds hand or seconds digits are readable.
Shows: 7:56:11
